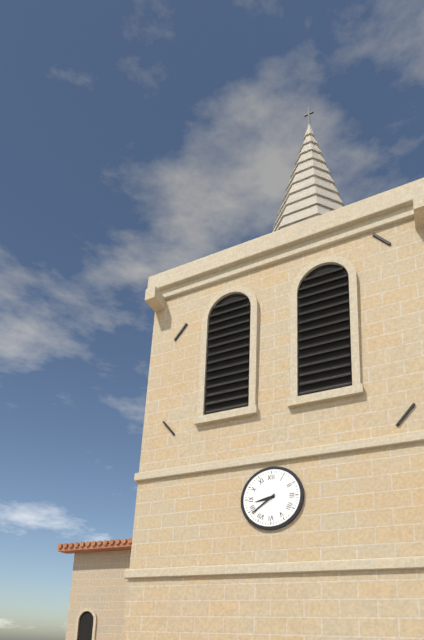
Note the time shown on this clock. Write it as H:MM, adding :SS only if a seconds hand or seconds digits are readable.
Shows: 8:39
